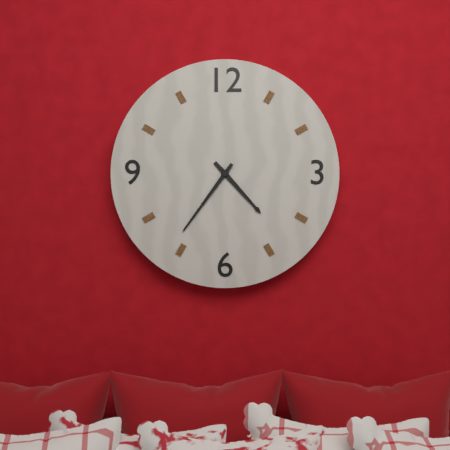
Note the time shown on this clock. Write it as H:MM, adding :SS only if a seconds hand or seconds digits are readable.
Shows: 4:36
